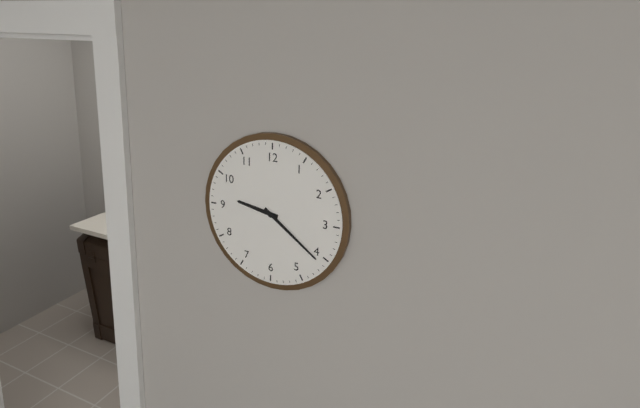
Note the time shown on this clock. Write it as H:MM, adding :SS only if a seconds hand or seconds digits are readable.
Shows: 9:21
